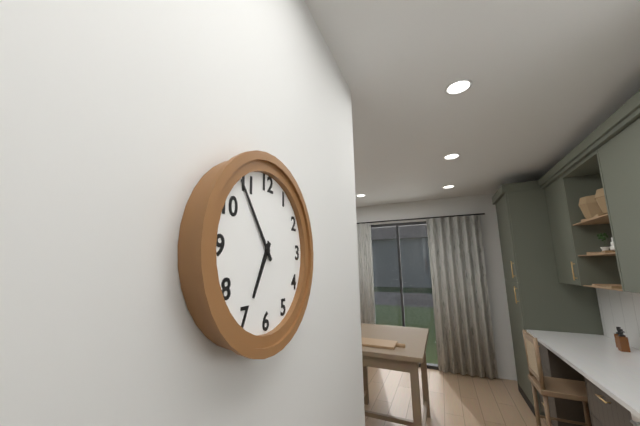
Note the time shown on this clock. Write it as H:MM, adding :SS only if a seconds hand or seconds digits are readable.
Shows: 6:54
